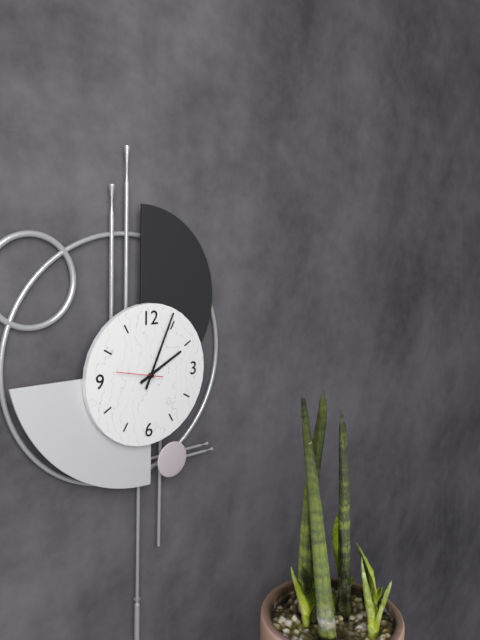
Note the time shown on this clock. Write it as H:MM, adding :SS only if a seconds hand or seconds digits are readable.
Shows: 2:04
